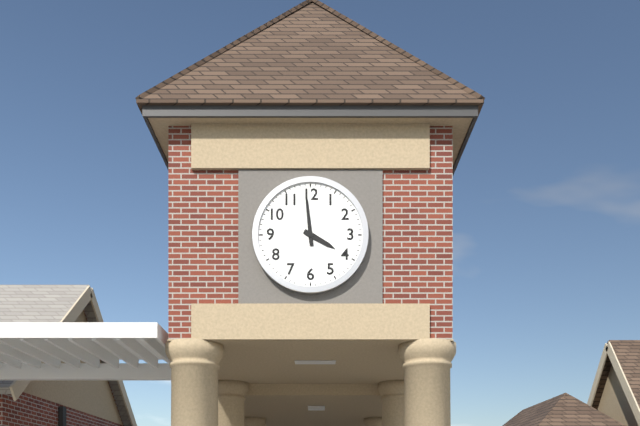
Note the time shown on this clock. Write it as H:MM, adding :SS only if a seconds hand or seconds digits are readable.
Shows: 3:59
